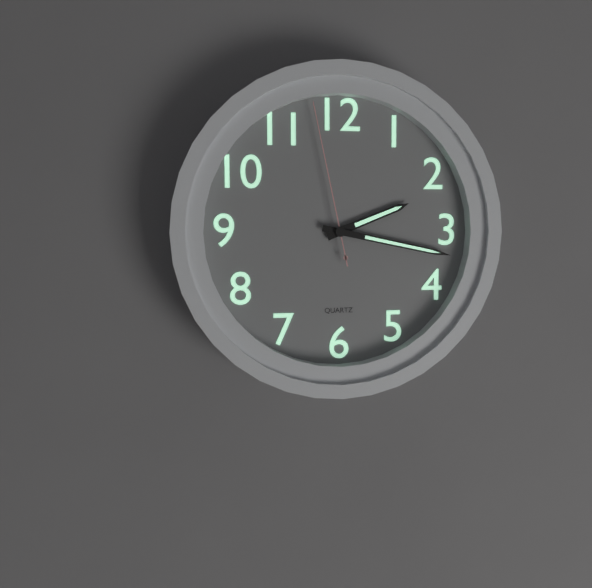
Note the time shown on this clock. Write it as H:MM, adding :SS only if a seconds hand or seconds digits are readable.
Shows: 2:17:58
